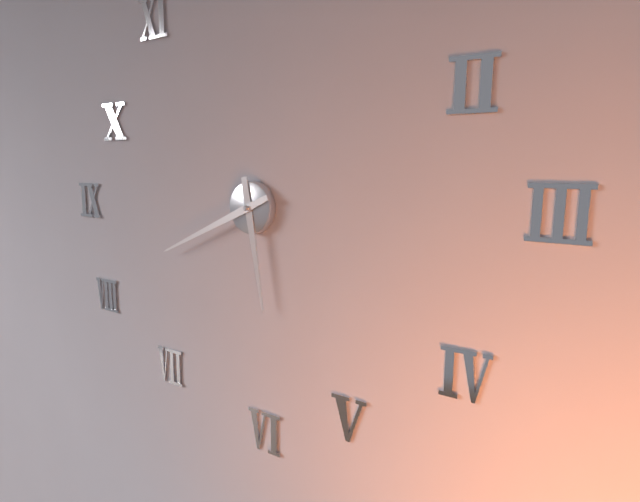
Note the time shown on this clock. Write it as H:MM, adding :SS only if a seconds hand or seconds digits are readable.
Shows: 5:41
